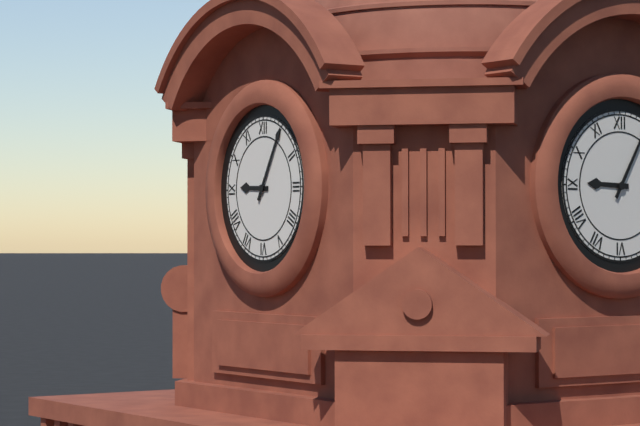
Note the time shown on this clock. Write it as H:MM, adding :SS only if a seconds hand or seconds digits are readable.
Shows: 9:05
